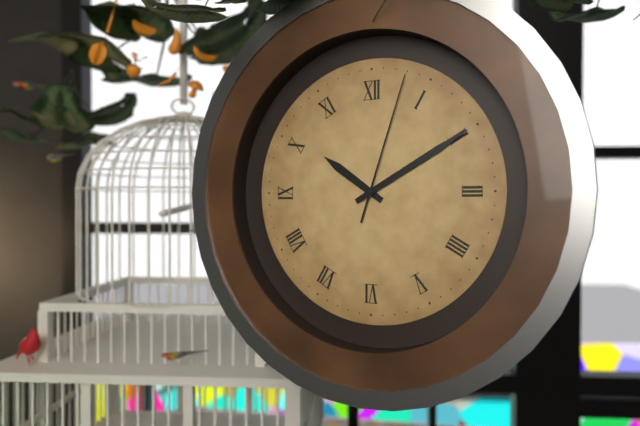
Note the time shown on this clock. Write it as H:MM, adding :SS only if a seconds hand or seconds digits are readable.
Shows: 10:10:03
